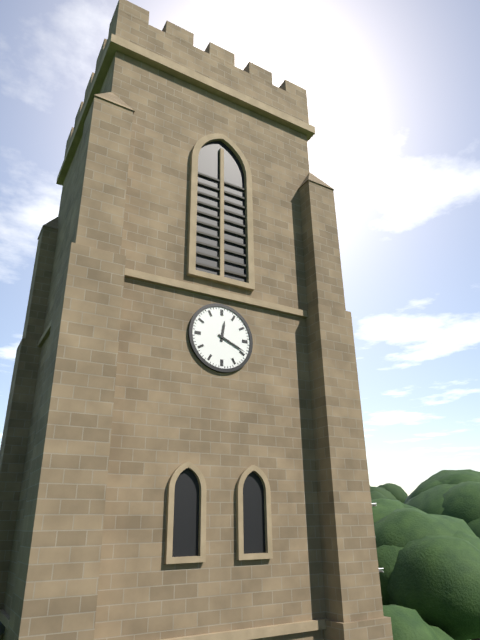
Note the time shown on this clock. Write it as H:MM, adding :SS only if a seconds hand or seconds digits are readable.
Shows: 12:19
